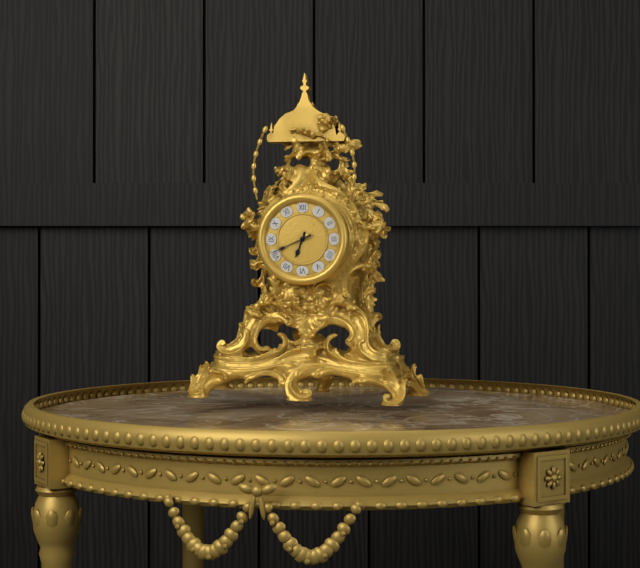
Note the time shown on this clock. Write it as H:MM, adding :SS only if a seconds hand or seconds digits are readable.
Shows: 6:41
